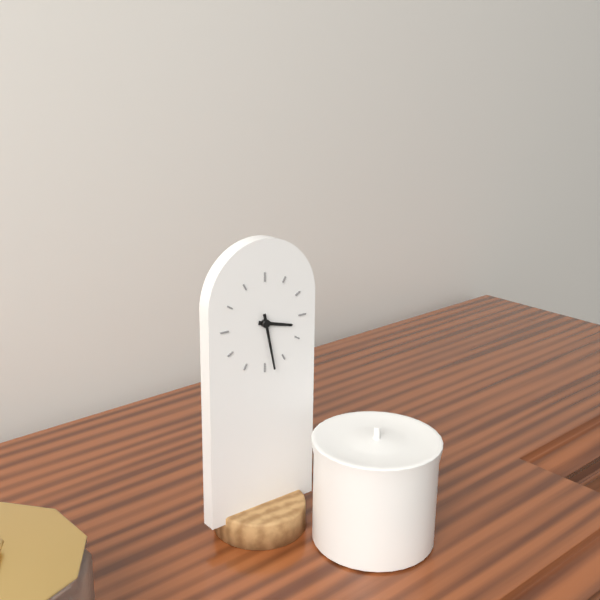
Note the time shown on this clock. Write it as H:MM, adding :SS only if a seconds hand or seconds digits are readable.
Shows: 3:28
